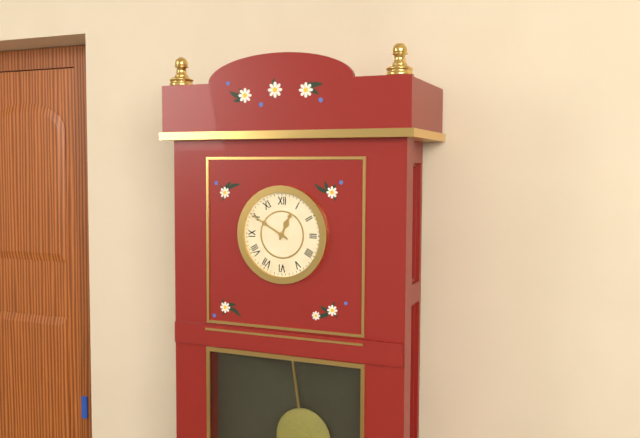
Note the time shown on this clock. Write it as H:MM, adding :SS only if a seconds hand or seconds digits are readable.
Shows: 12:50
